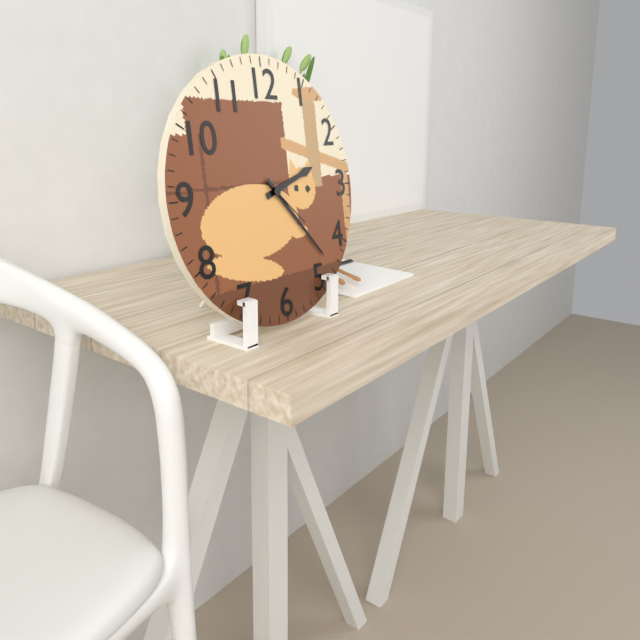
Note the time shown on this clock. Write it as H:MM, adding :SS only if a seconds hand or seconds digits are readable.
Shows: 2:23:22
